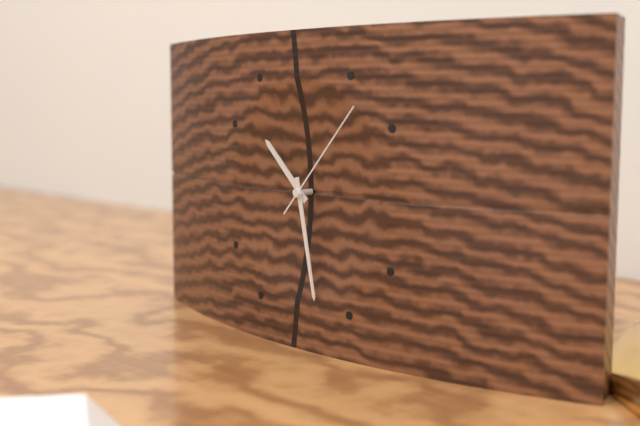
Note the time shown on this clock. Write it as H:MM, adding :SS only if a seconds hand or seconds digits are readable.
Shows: 10:28:07
